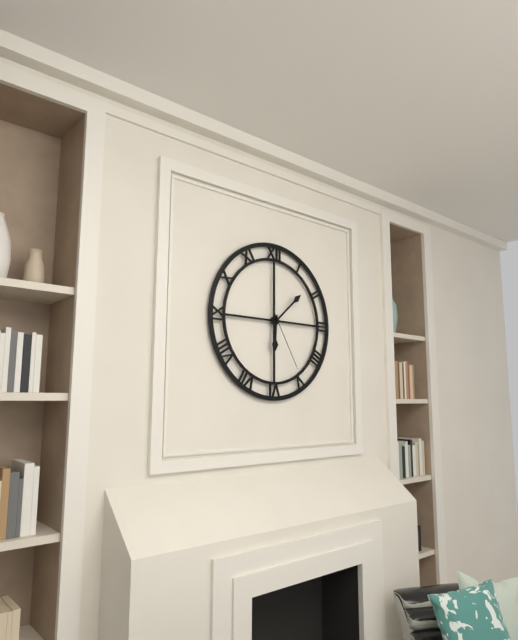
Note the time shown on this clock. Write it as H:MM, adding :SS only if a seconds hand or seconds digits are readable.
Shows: 6:08:25
